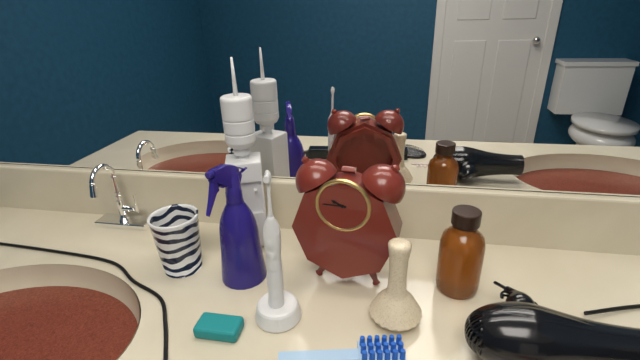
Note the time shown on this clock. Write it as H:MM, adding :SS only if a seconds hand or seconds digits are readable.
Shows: 9:45
